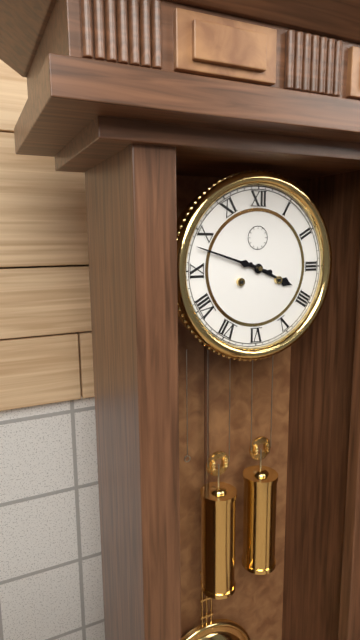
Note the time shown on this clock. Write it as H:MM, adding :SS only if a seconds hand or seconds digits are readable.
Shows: 3:48
